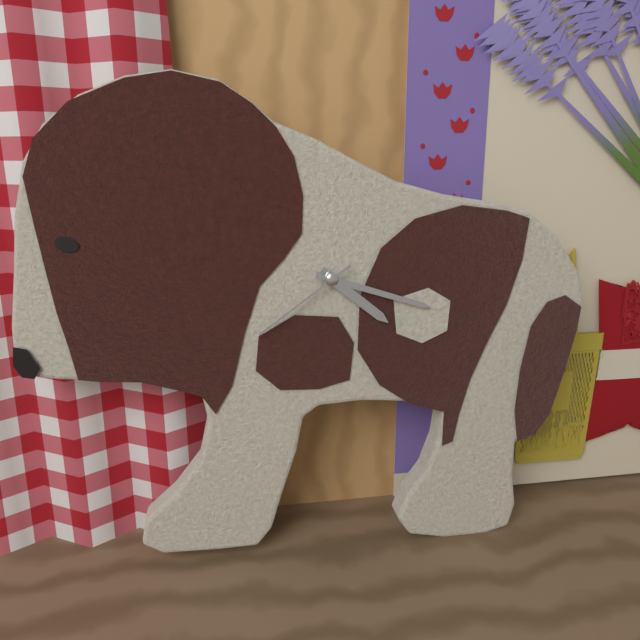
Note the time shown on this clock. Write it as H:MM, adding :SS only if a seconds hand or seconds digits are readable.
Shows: 4:18:39
